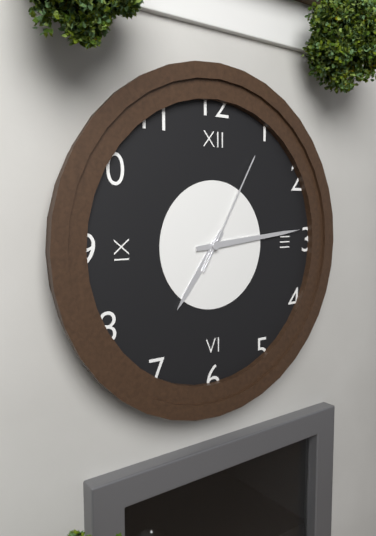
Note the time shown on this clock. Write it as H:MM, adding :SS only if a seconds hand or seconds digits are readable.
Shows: 7:14:05
